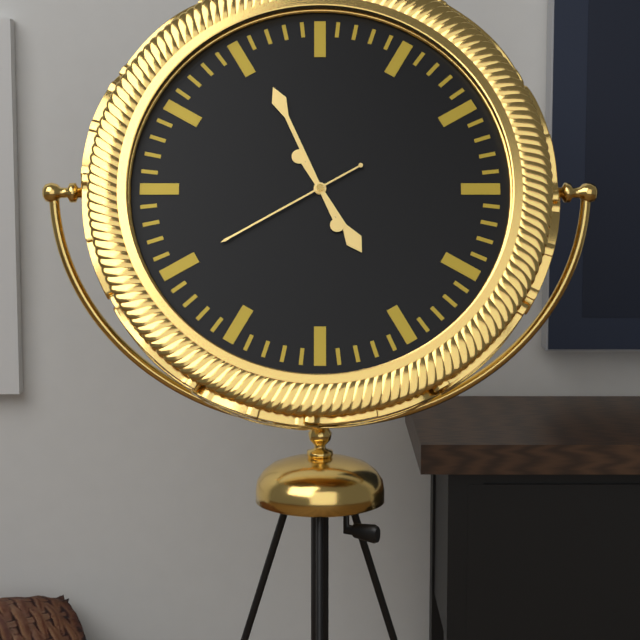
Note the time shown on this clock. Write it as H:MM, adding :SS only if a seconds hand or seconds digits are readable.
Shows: 4:56:40
